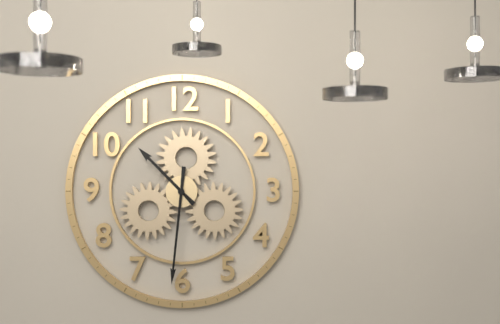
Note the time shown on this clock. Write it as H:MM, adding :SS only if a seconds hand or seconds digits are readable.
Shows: 10:31
